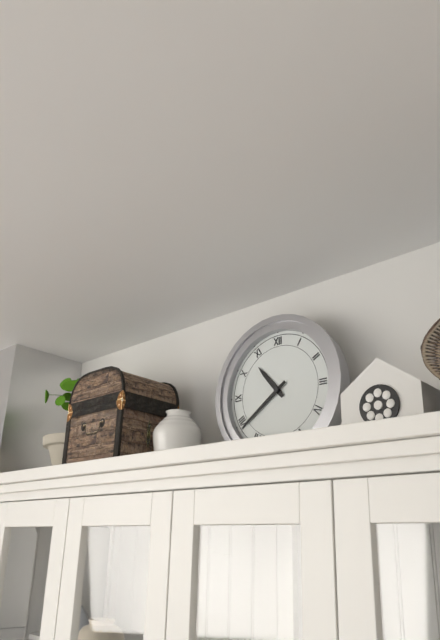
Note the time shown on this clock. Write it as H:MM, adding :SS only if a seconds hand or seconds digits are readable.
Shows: 10:39
